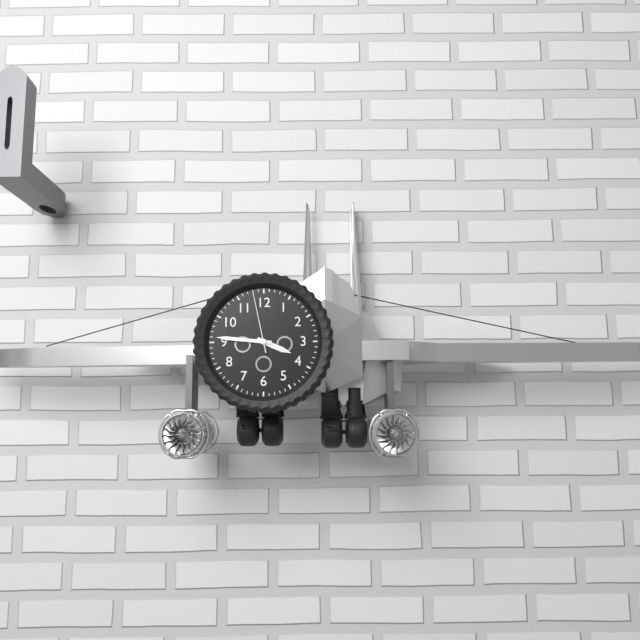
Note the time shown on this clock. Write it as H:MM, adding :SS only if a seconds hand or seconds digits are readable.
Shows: 3:46:58
